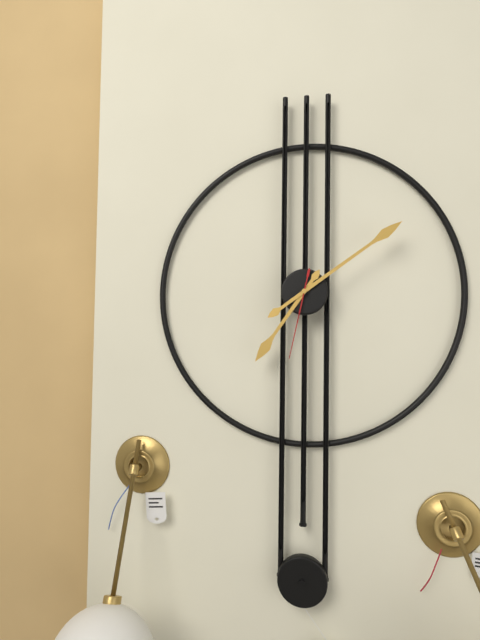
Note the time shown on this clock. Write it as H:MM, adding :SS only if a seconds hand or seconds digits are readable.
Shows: 7:09:32
